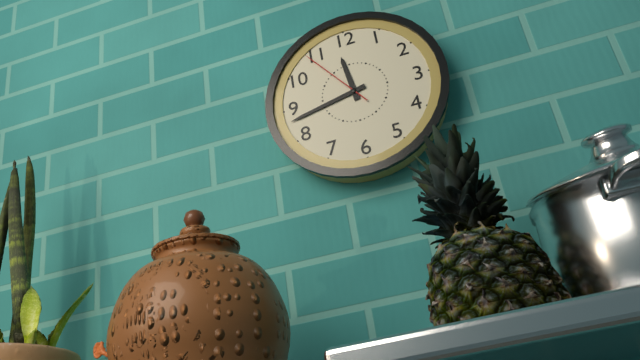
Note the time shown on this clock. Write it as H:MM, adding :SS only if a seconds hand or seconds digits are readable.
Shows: 11:43:54
